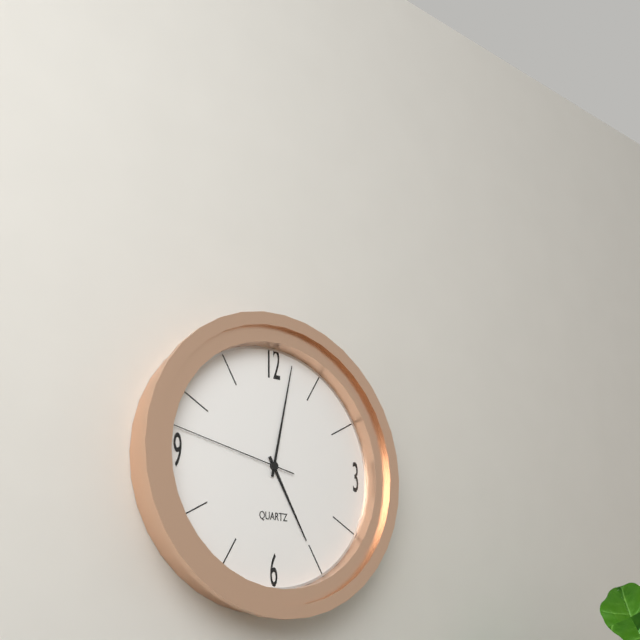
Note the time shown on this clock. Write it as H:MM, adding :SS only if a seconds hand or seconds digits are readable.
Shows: 5:02:47
